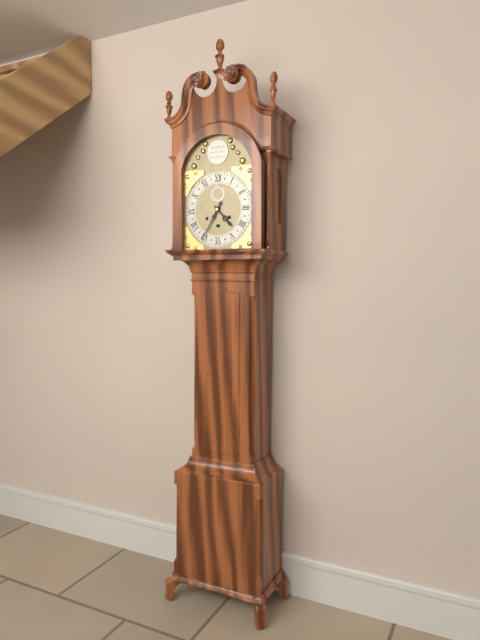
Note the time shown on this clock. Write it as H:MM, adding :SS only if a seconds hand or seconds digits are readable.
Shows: 4:35
